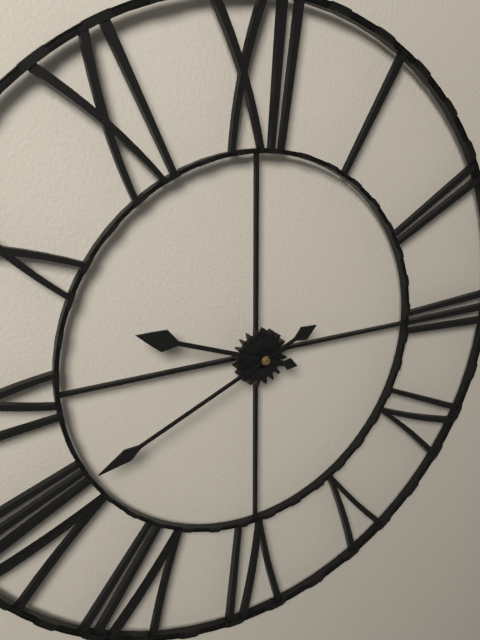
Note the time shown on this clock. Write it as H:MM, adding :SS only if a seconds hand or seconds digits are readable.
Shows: 9:41
